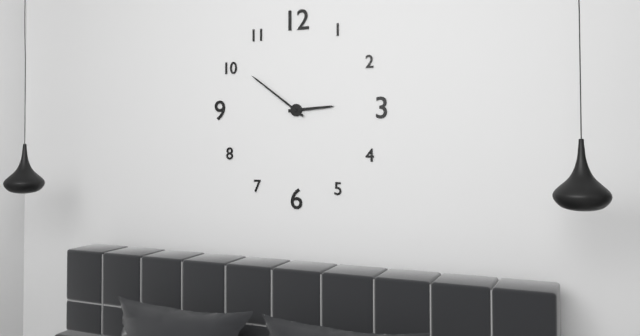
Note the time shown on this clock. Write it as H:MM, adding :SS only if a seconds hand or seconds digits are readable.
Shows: 2:51
